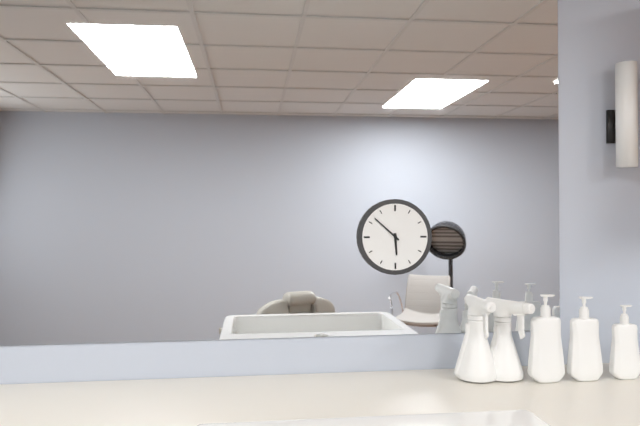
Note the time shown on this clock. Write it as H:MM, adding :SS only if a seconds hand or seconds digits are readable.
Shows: 5:52
